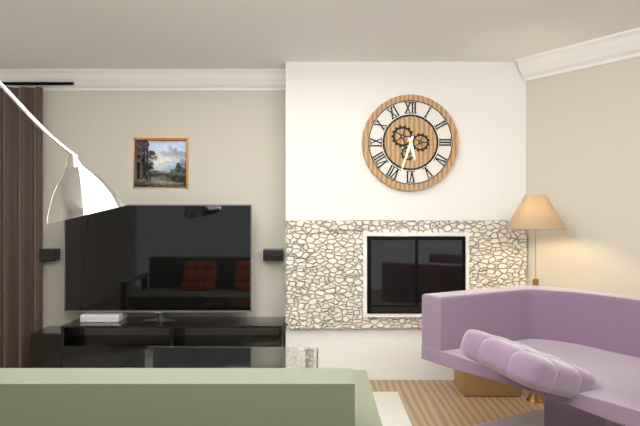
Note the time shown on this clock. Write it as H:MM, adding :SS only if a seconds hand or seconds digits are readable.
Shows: 5:33
